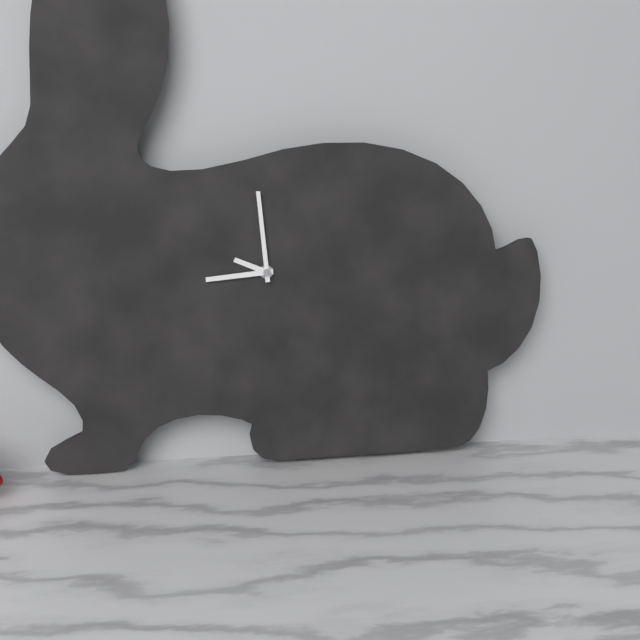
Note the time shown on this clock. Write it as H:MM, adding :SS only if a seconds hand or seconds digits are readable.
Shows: 9:44:59
